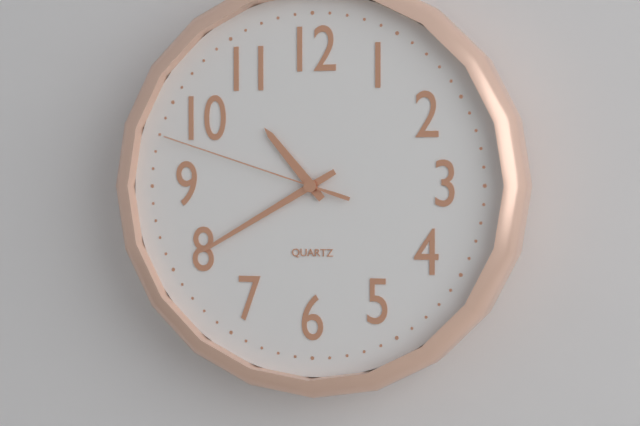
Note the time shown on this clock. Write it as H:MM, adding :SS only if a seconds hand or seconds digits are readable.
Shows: 10:40:48
